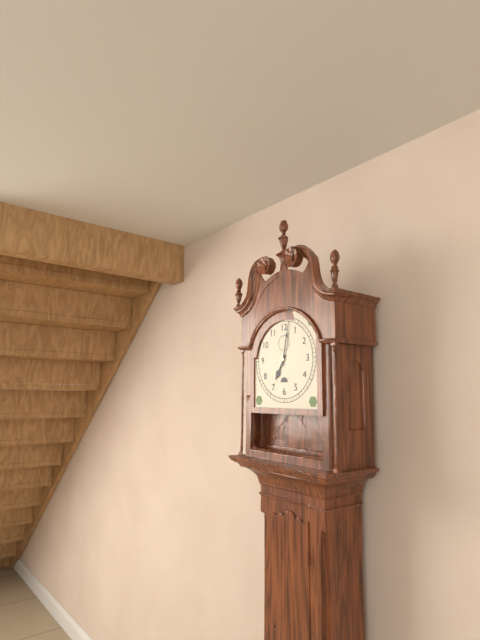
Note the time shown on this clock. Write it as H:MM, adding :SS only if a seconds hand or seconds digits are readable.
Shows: 7:02
